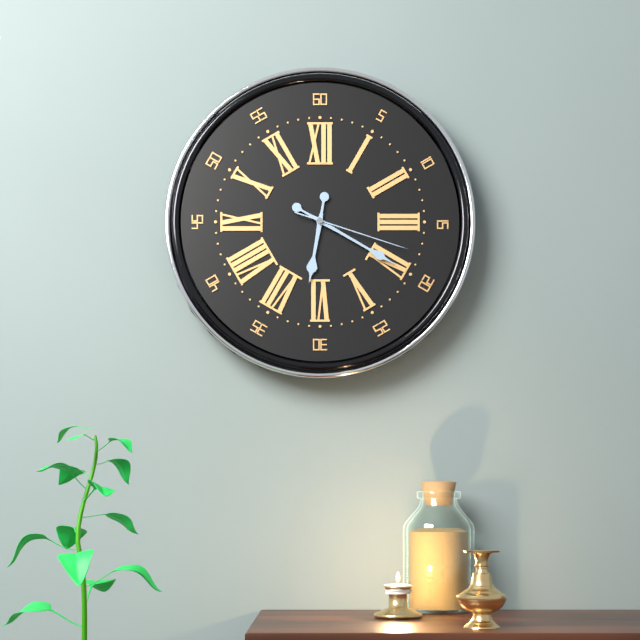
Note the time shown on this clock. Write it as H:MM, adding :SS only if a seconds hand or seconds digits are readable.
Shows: 6:20:18
